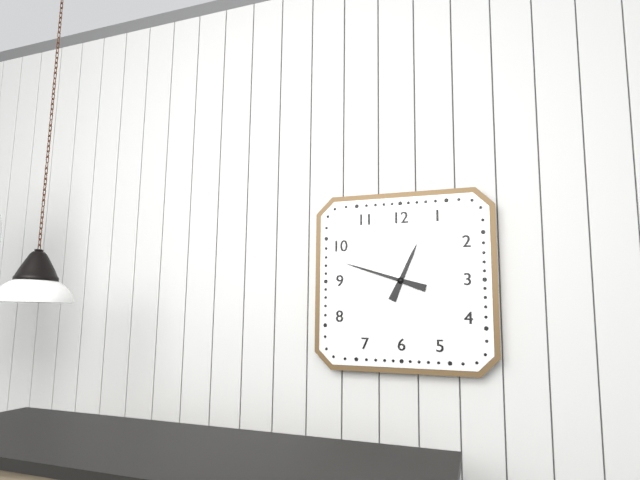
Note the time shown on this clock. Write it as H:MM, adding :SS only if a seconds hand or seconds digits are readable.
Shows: 12:48
